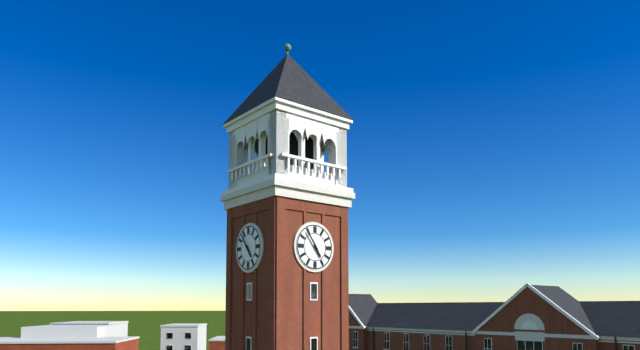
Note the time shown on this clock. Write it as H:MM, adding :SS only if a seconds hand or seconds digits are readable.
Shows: 4:54
